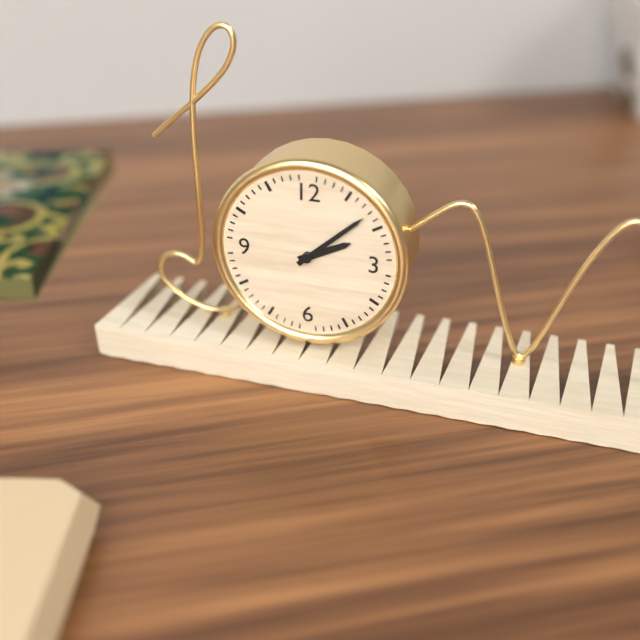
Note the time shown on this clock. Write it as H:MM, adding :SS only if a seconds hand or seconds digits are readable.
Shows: 2:08
